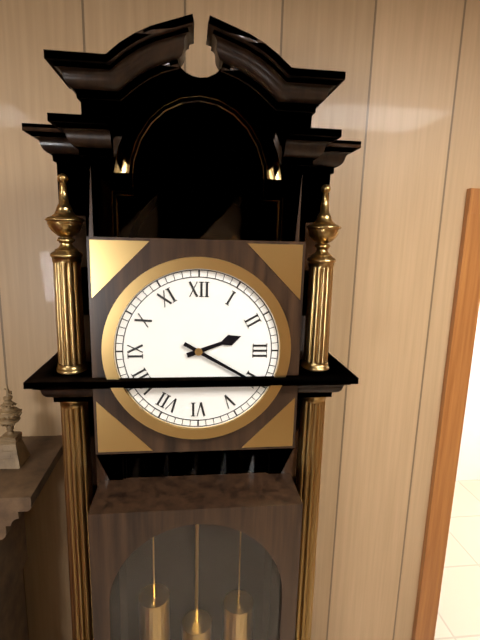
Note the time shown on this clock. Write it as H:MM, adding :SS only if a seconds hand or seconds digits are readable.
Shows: 2:20
